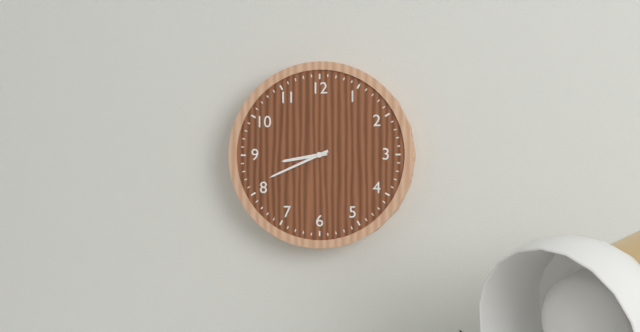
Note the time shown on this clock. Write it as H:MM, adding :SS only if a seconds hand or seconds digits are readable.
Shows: 8:41
